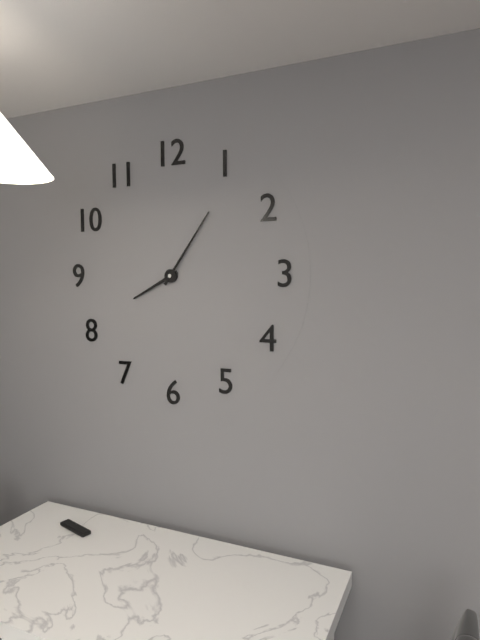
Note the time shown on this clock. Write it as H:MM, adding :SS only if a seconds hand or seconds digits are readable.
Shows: 8:06
